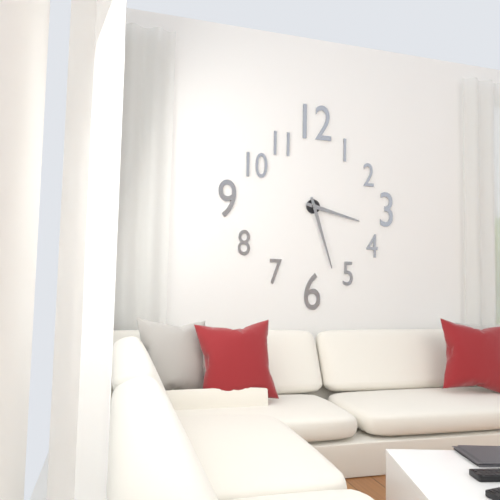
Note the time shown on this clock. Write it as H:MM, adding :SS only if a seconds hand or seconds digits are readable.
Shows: 3:27
